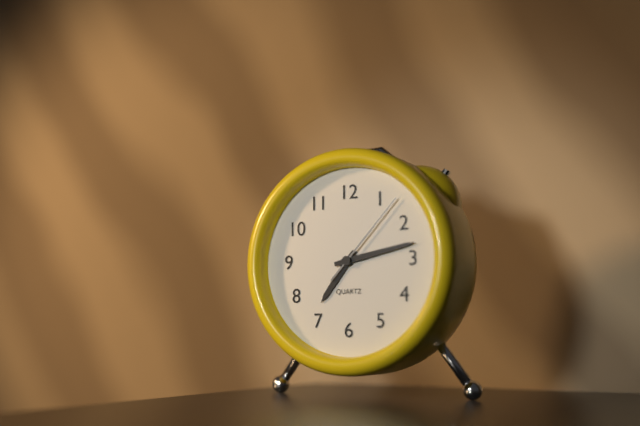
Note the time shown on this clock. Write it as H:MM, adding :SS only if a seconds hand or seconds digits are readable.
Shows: 7:13:07
